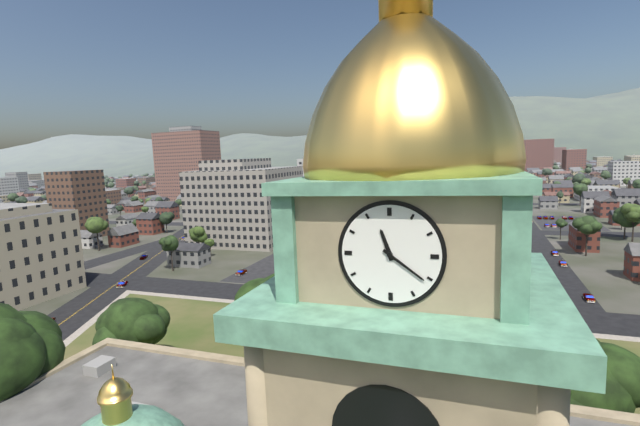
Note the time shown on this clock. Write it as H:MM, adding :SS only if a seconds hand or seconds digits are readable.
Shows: 11:21
